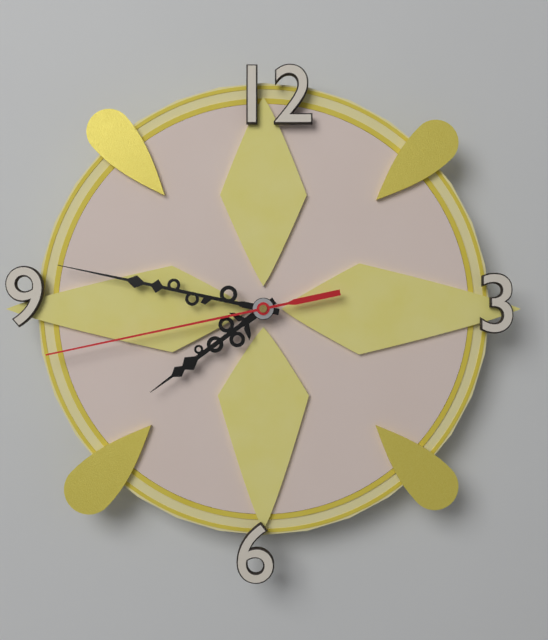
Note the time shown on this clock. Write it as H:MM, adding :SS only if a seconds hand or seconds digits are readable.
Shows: 7:47:43
